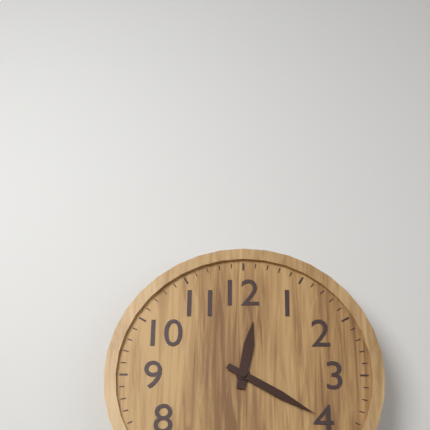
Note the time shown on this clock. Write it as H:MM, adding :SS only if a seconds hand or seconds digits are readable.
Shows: 12:20
